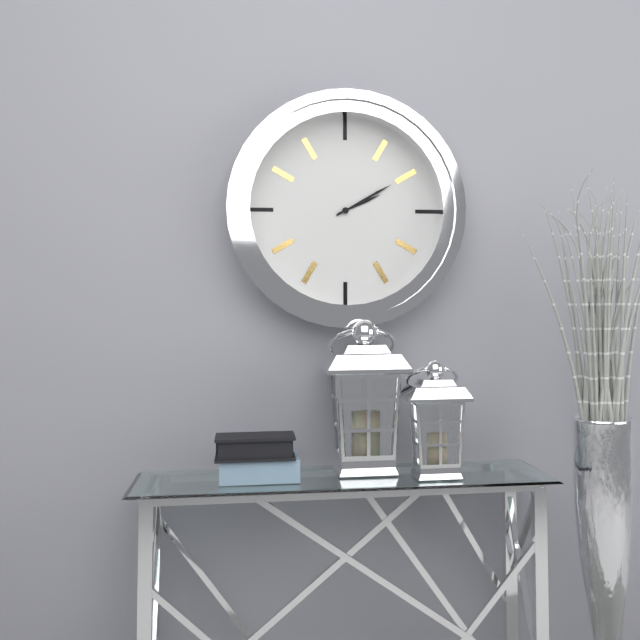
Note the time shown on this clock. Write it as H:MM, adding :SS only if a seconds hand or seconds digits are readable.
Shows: 2:10
